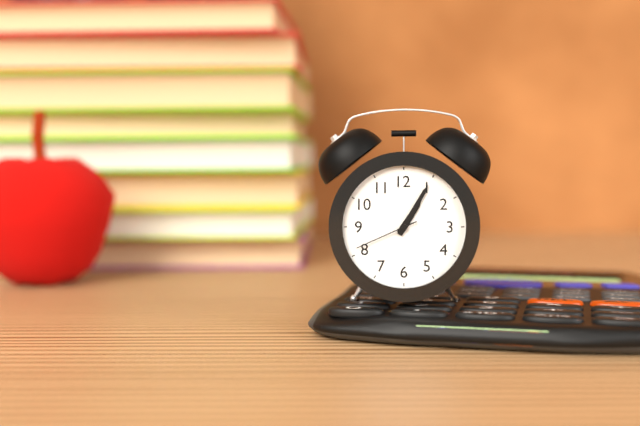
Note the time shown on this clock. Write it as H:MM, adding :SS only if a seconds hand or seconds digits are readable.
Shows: 1:05:41
